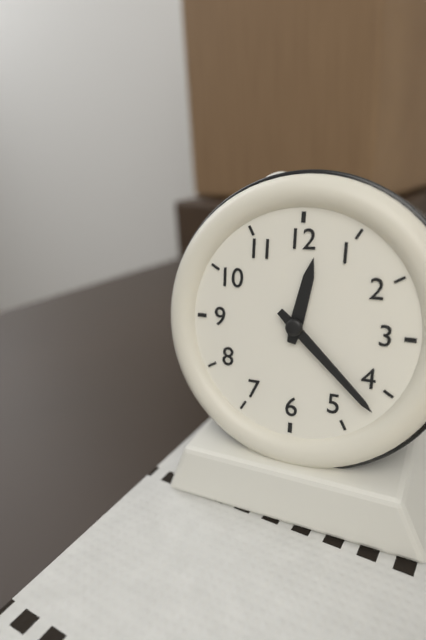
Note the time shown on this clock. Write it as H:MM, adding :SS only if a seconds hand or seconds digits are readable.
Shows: 12:22
